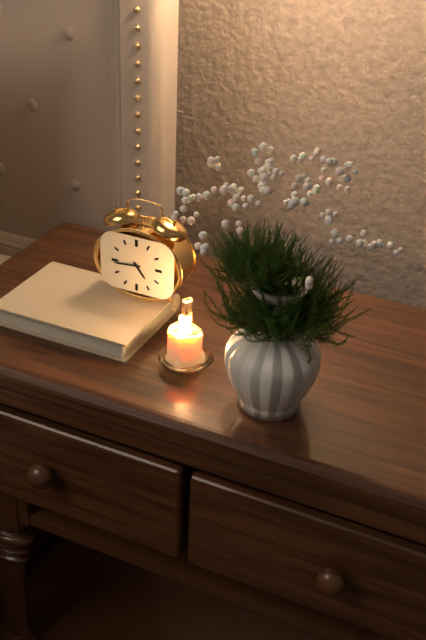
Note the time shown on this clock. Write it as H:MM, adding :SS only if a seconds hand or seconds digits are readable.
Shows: 4:44
